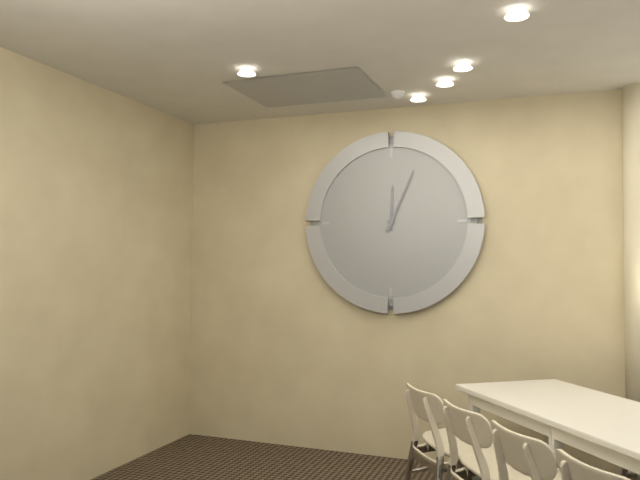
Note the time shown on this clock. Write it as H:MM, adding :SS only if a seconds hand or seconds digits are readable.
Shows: 12:04
